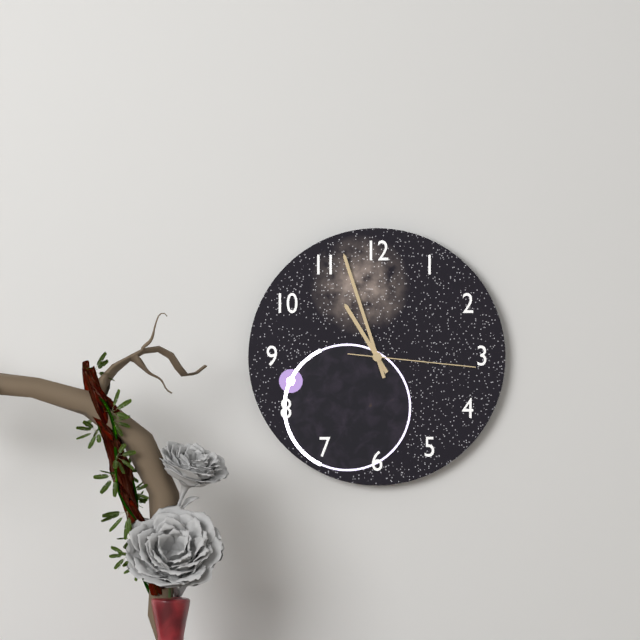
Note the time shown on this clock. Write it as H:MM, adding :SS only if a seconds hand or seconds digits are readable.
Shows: 10:57:16
